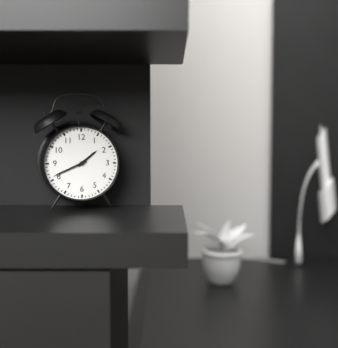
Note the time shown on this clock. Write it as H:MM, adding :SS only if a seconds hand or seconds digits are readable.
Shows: 1:41
